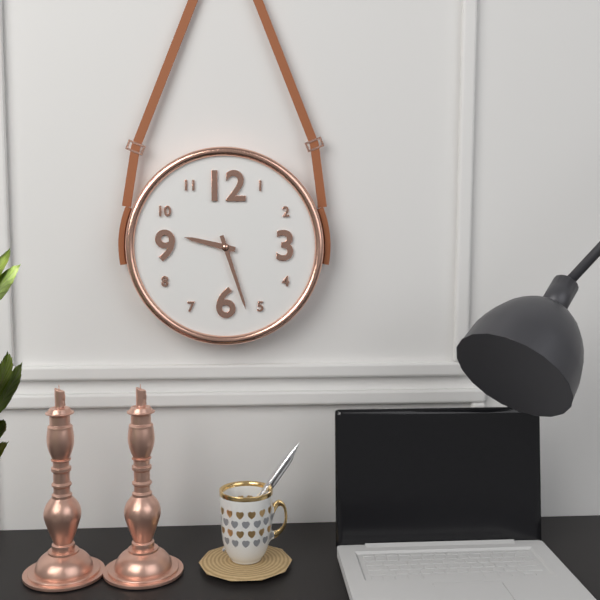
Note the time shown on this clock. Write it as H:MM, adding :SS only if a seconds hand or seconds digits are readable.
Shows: 9:27
